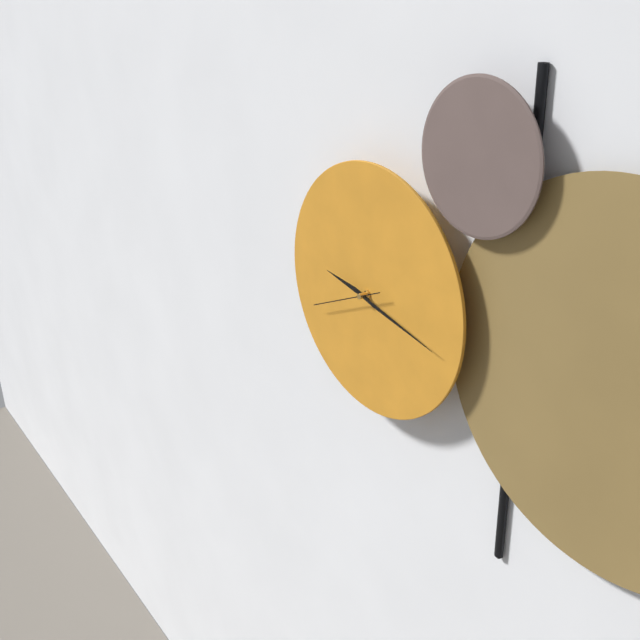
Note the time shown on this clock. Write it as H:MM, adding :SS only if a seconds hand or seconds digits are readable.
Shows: 9:17:41
